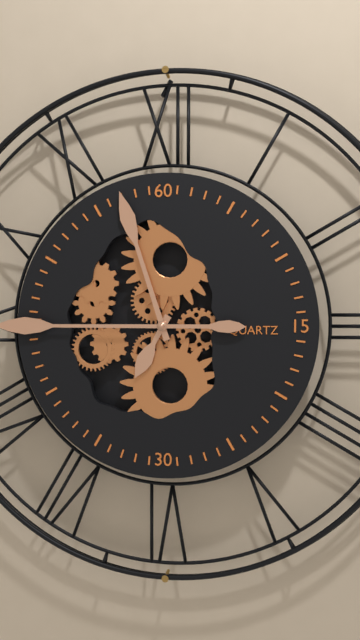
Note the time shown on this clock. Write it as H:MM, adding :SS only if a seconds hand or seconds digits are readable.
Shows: 6:57
